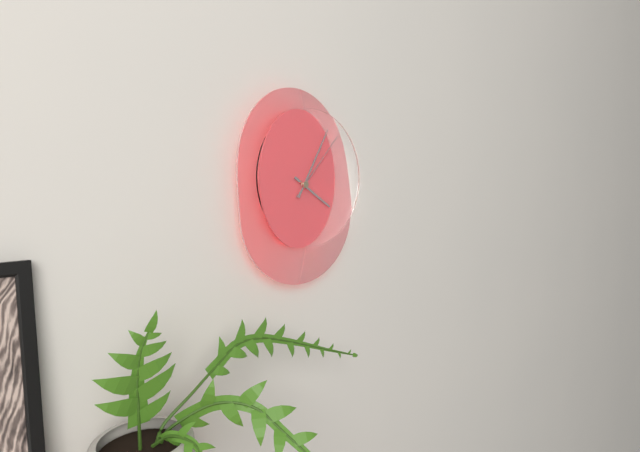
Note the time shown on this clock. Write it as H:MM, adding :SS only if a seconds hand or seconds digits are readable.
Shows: 4:05:07
